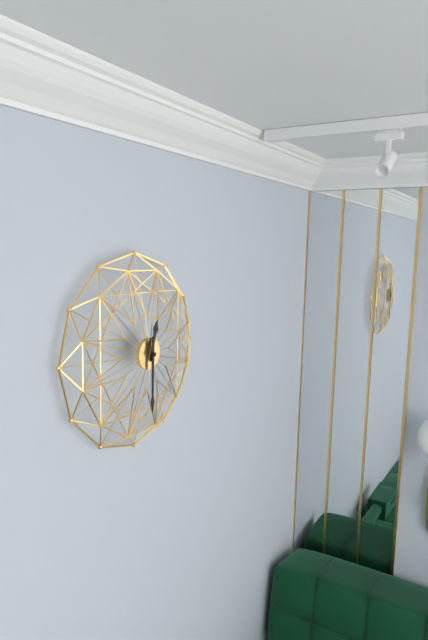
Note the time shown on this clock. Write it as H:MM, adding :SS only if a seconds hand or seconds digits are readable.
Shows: 12:30
